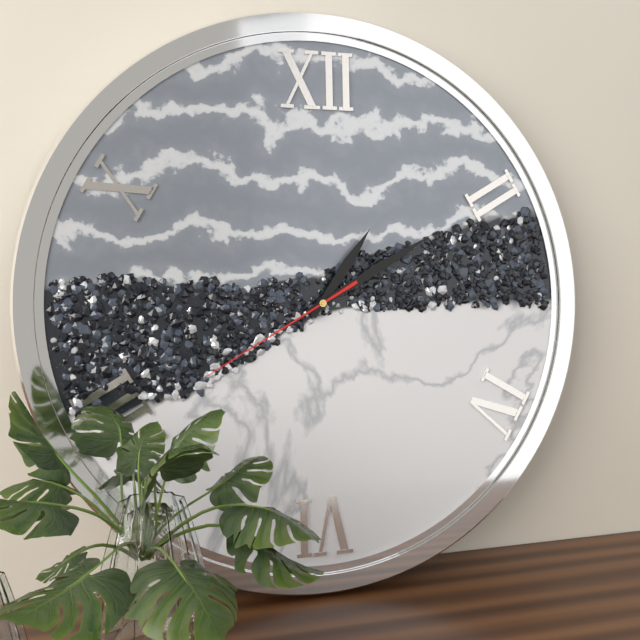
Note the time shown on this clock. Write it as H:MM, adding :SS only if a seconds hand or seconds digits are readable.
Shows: 1:10:40
